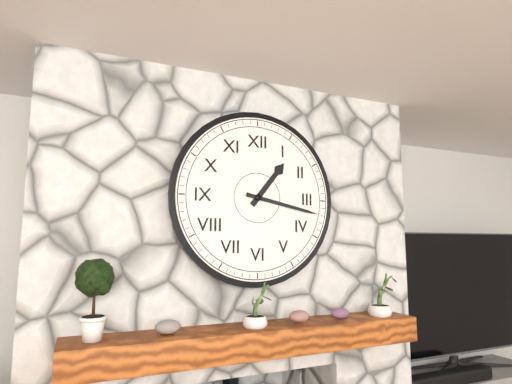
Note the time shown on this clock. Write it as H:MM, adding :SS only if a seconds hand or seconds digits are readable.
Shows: 1:17
